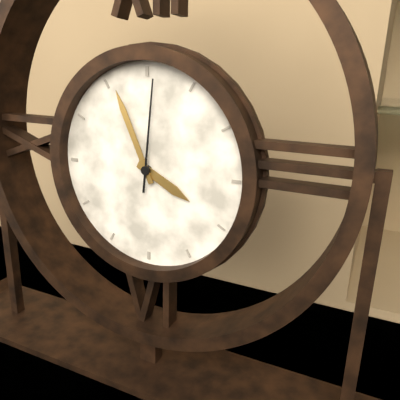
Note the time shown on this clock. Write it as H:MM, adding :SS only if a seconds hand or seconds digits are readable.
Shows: 3:56:01
